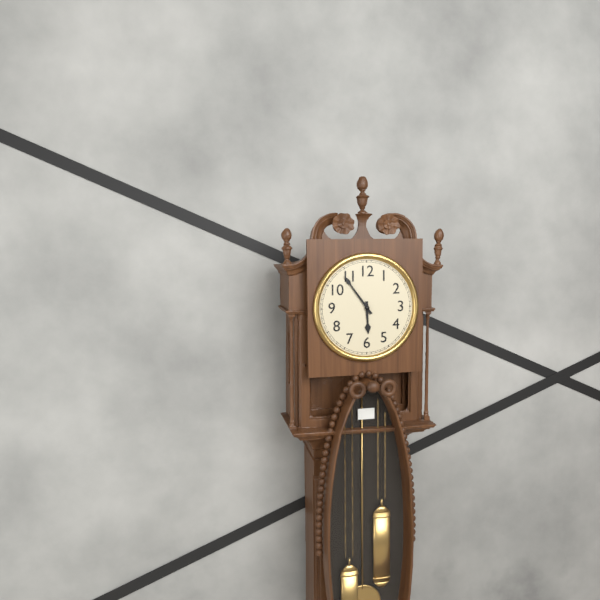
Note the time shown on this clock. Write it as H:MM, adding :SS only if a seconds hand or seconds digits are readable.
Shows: 5:54
